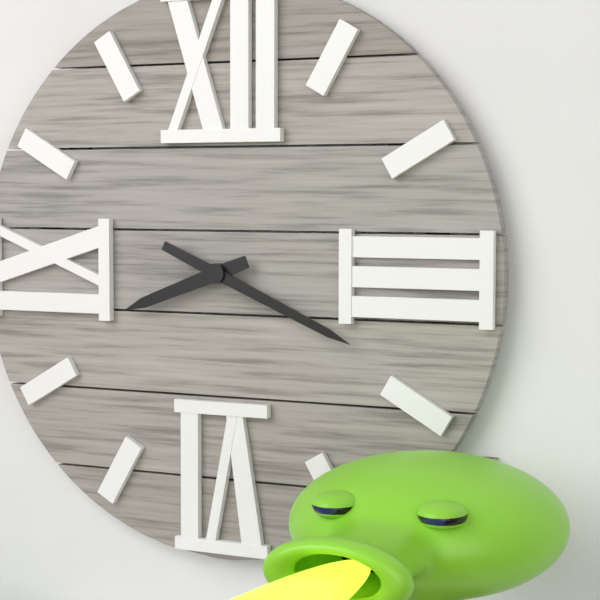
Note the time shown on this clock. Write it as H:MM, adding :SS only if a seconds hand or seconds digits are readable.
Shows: 8:19
